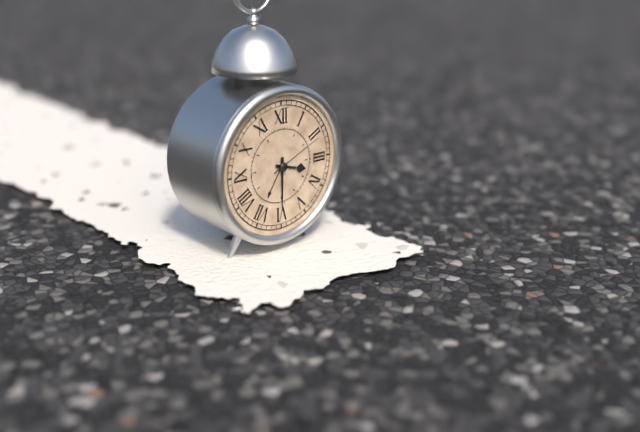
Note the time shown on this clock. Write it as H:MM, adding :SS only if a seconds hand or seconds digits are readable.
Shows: 3:30:11
